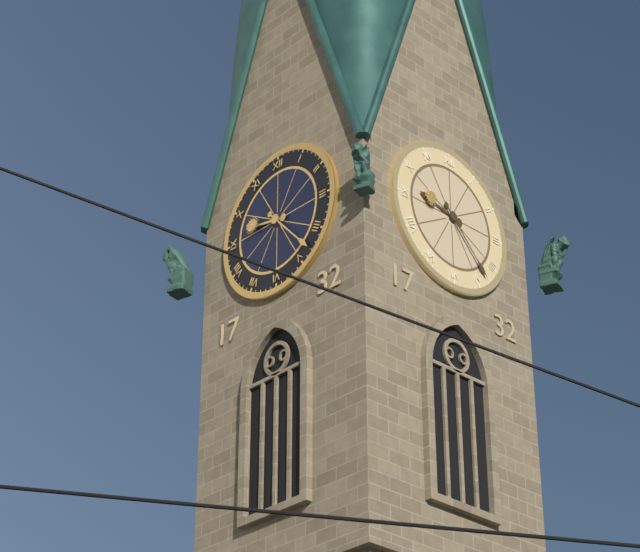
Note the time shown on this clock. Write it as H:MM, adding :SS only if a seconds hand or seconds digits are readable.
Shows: 9:23
